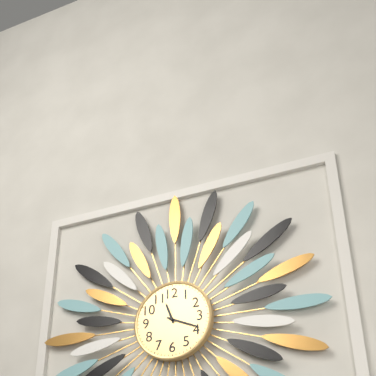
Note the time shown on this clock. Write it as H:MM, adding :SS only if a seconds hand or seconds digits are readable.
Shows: 11:19
